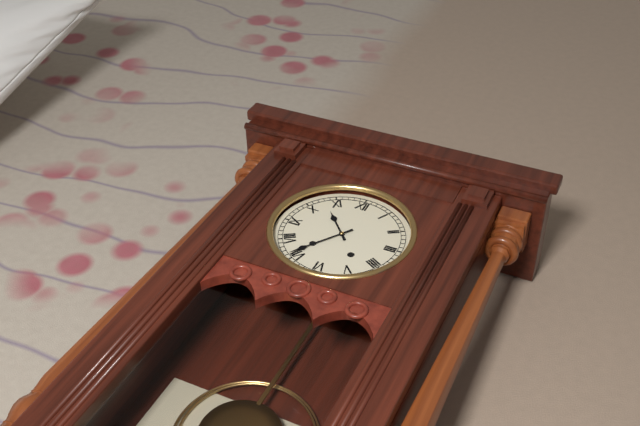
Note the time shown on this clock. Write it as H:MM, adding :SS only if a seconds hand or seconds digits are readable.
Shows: 10:36
